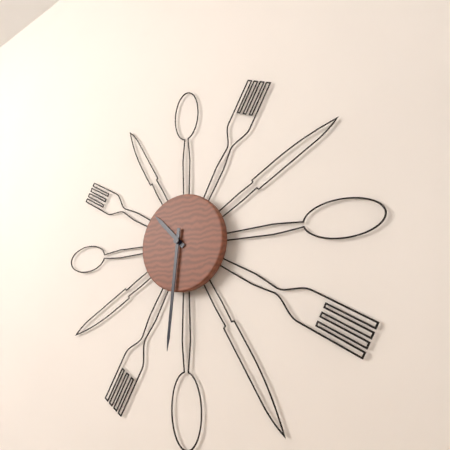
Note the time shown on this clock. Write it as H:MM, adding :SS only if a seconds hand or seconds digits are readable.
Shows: 10:31
